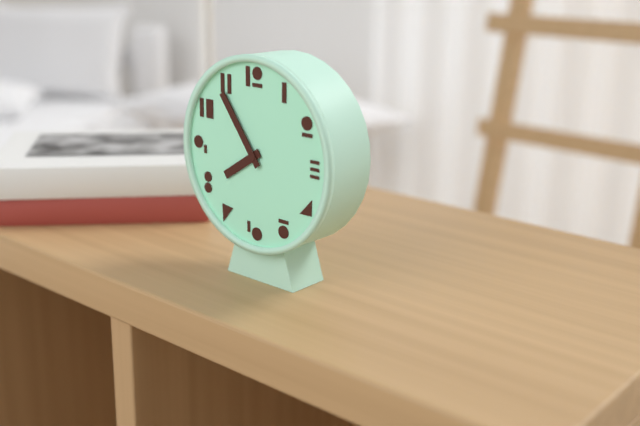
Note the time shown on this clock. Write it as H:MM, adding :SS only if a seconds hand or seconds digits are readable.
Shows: 7:54
